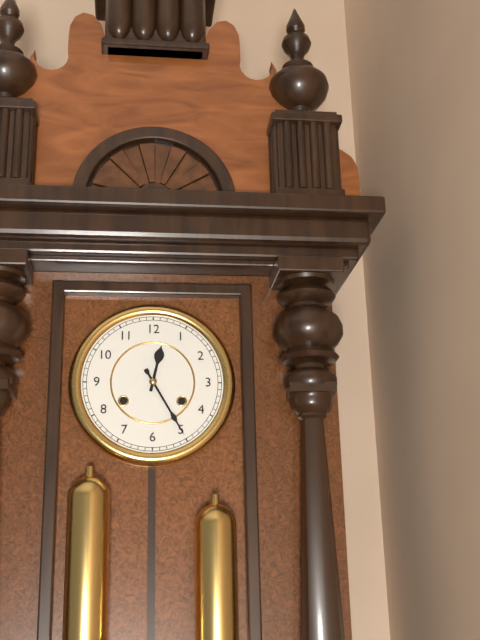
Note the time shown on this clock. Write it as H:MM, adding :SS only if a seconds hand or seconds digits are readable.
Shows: 12:25
